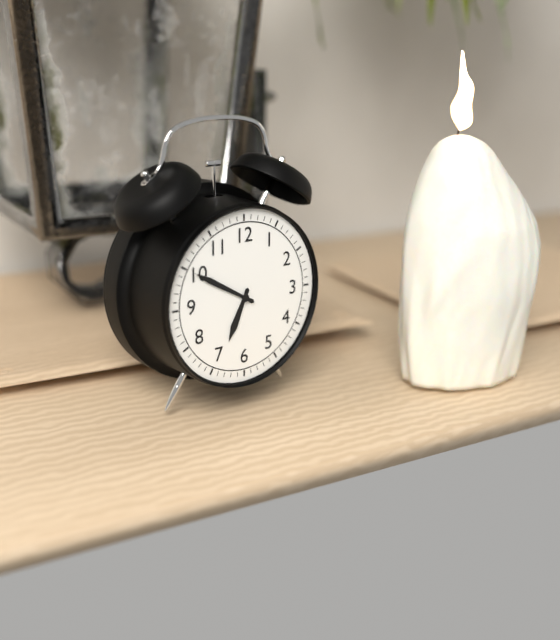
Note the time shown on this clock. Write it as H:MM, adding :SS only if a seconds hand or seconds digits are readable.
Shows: 6:50
